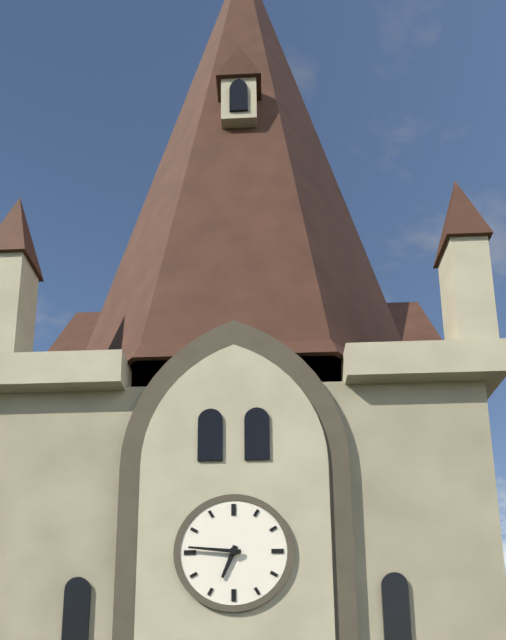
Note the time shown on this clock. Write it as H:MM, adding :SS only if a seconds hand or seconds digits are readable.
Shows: 6:46
